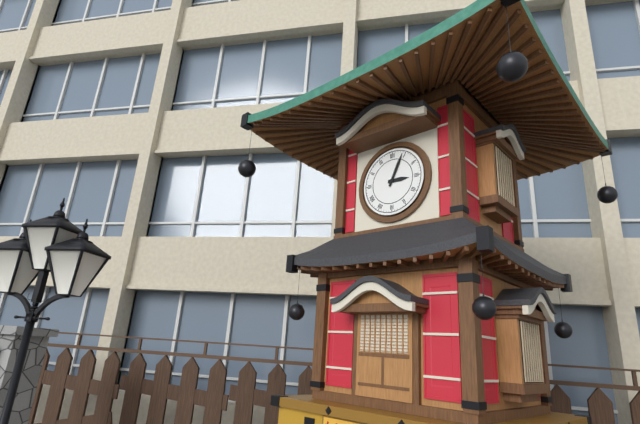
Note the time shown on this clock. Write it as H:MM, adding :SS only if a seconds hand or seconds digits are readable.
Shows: 3:04
